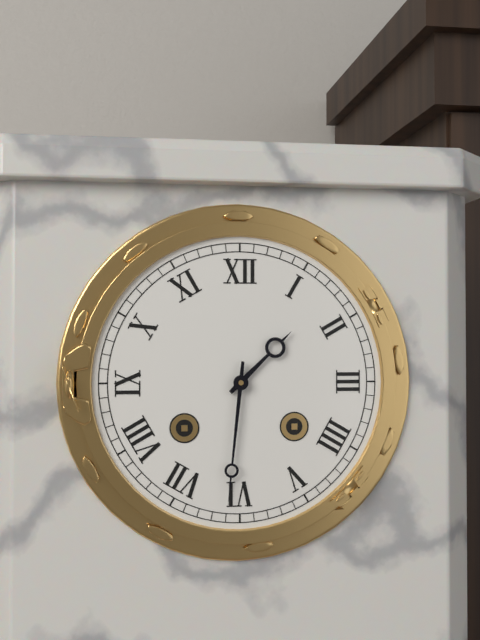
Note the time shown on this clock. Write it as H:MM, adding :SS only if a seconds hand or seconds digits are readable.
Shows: 1:31
